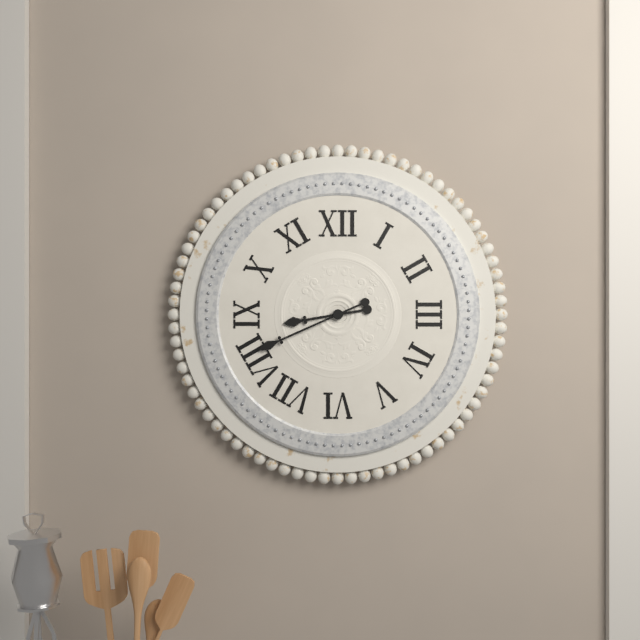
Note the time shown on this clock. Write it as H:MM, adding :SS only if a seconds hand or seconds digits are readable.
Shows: 8:41
